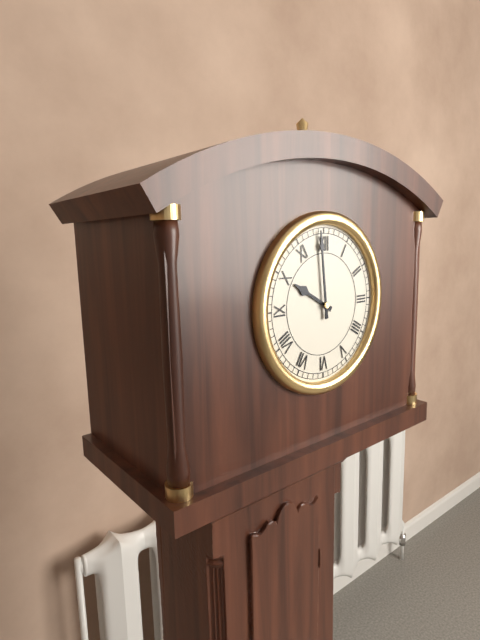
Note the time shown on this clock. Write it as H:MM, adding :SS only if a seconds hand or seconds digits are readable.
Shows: 9:59
